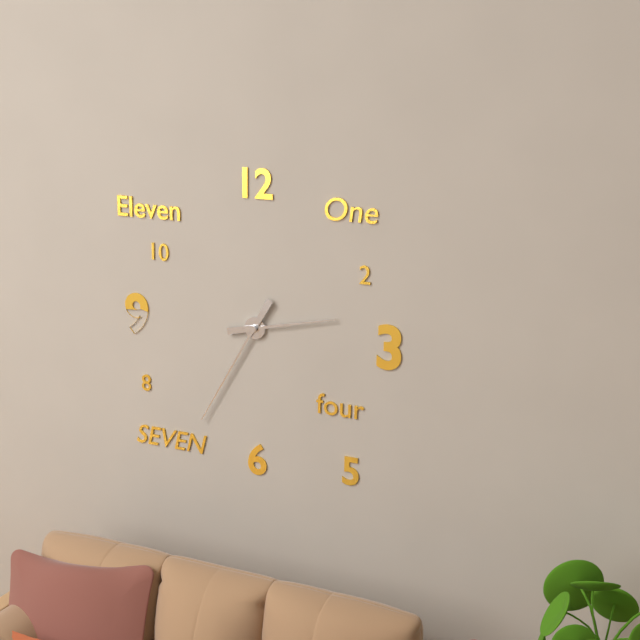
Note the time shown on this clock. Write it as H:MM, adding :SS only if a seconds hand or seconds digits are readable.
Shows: 2:35
